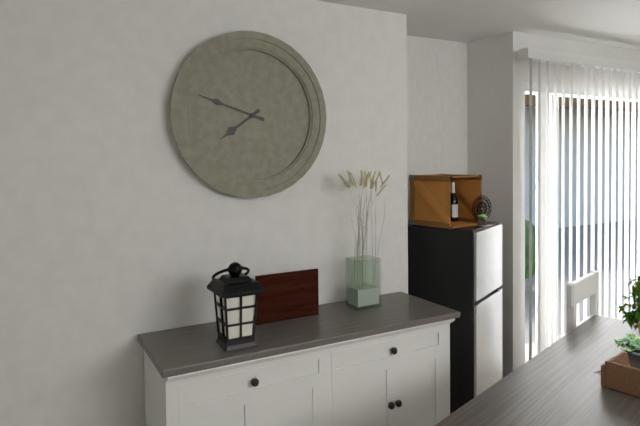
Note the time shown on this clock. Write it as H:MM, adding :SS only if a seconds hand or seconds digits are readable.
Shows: 7:48
